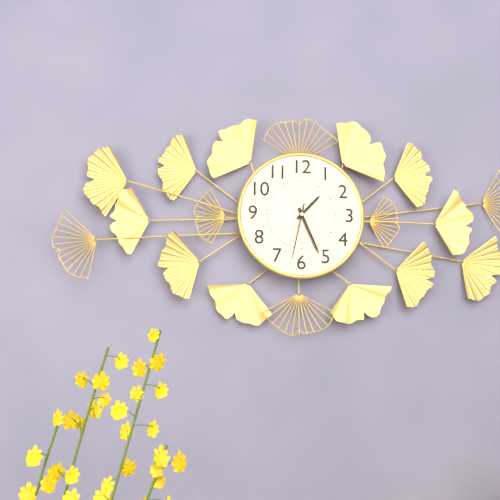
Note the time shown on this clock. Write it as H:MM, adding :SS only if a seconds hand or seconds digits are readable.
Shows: 1:26:32
